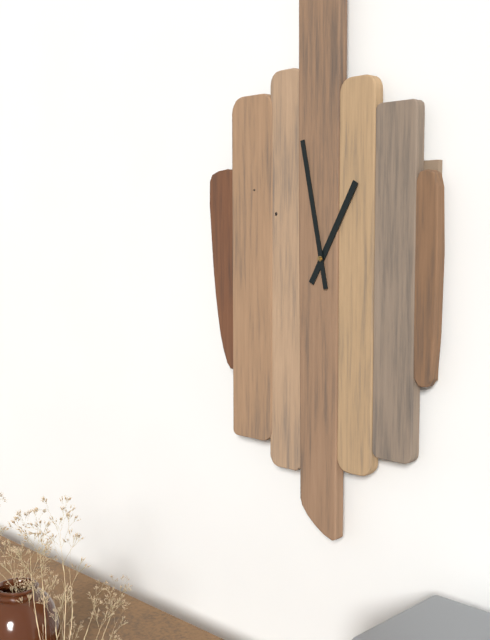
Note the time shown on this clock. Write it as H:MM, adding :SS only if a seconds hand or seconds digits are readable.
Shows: 12:58
